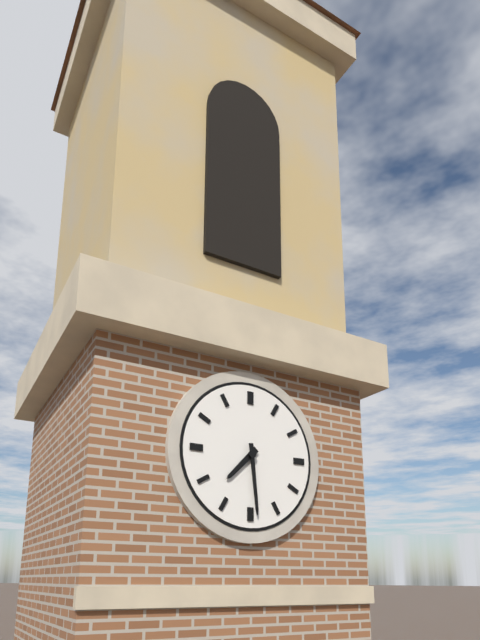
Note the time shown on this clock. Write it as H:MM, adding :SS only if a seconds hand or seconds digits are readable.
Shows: 7:29
